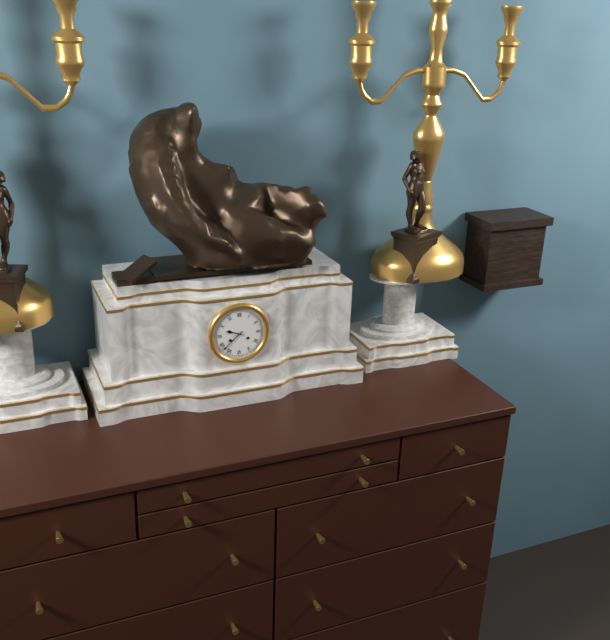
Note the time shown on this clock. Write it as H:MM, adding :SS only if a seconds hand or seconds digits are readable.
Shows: 9:38
